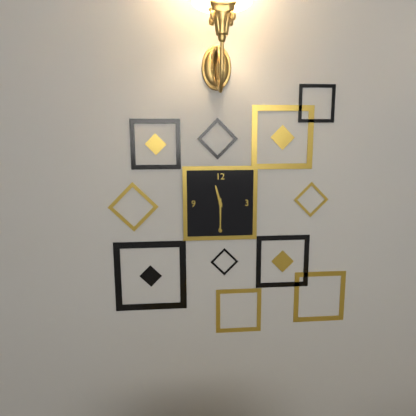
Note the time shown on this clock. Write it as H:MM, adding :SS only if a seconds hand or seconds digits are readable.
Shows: 11:30
